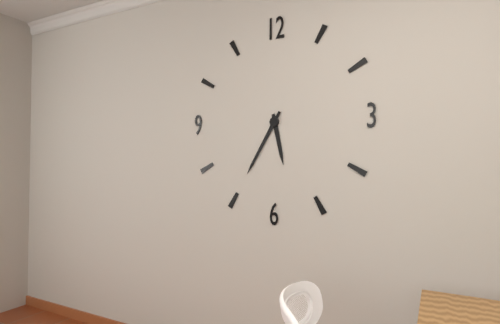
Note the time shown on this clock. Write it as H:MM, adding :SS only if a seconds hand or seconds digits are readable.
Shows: 5:35
